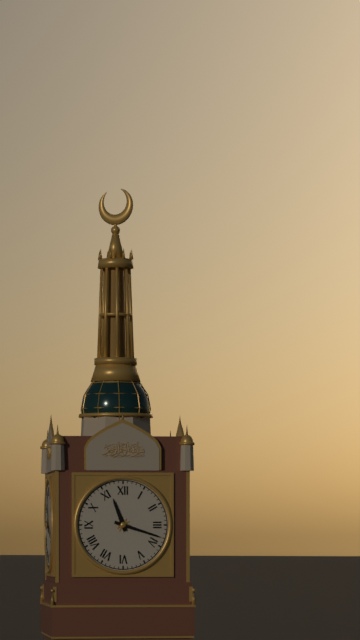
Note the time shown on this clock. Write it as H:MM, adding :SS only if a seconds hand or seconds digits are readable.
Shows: 11:18
